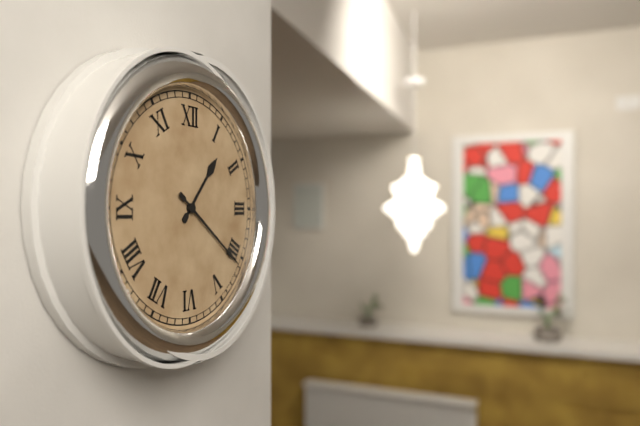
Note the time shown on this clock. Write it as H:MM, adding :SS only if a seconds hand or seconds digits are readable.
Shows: 1:21
